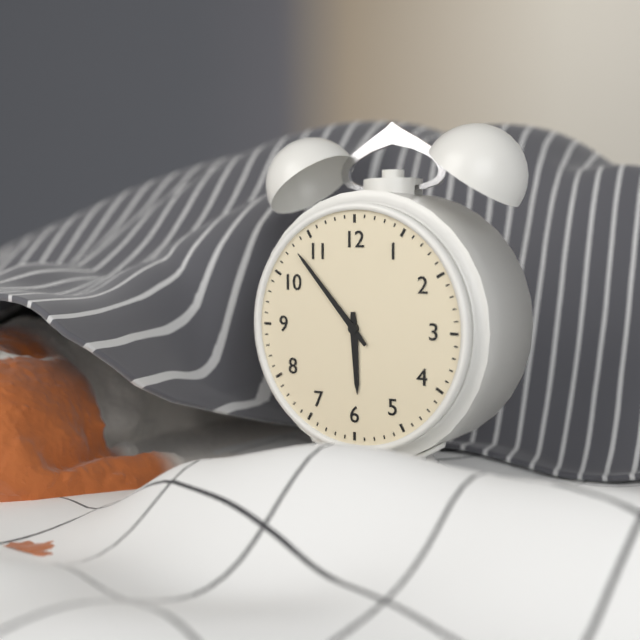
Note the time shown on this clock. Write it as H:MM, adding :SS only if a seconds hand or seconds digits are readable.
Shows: 5:53
